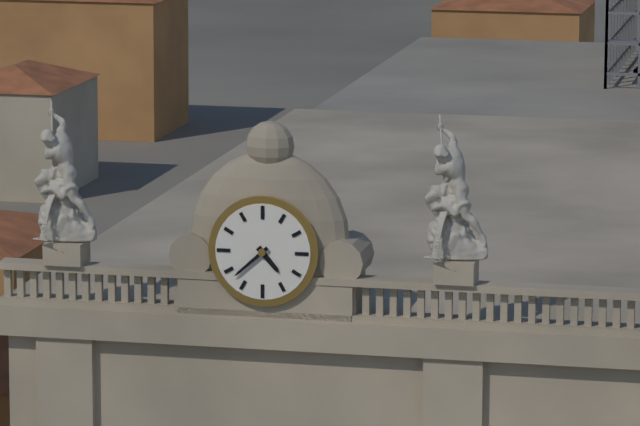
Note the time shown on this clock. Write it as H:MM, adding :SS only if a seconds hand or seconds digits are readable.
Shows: 4:38
